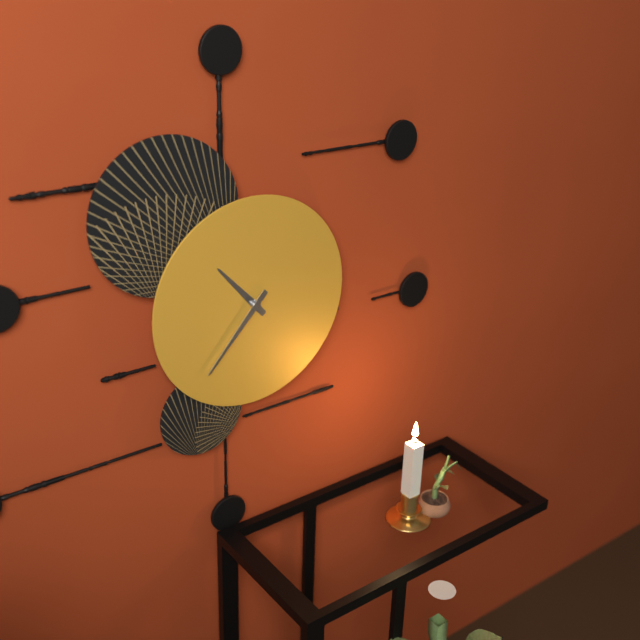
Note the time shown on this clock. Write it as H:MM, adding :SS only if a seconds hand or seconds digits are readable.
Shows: 10:37
